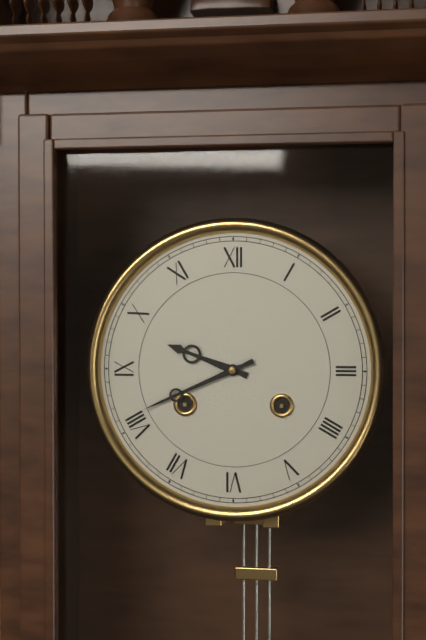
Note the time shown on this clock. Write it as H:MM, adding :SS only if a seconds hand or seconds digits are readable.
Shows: 9:41
